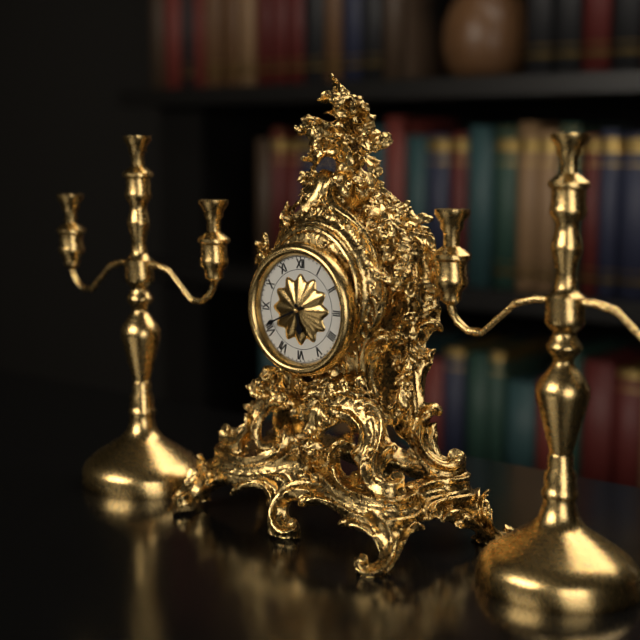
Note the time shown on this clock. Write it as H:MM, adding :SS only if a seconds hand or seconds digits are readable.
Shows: 5:41
